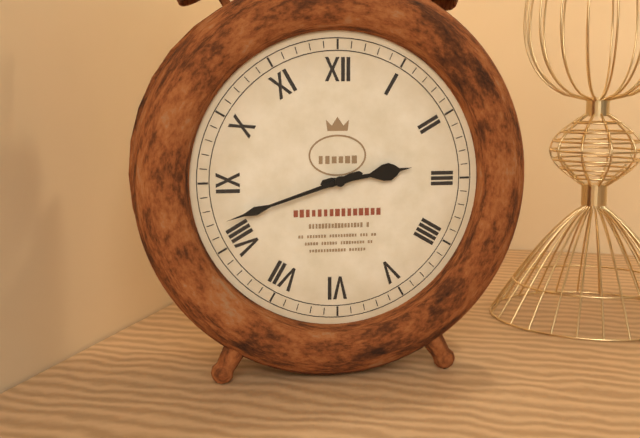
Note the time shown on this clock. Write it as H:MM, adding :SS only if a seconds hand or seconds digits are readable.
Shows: 2:42
